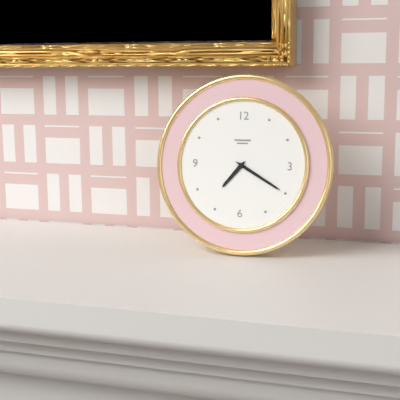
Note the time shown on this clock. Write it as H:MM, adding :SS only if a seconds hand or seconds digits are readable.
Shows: 7:20
